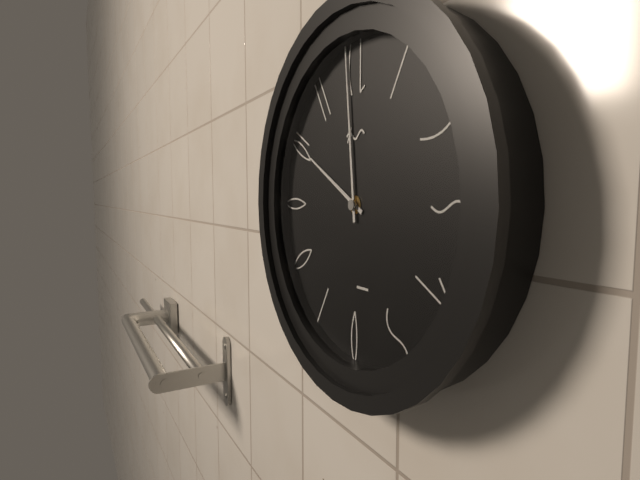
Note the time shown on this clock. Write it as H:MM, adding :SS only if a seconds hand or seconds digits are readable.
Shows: 9:59
